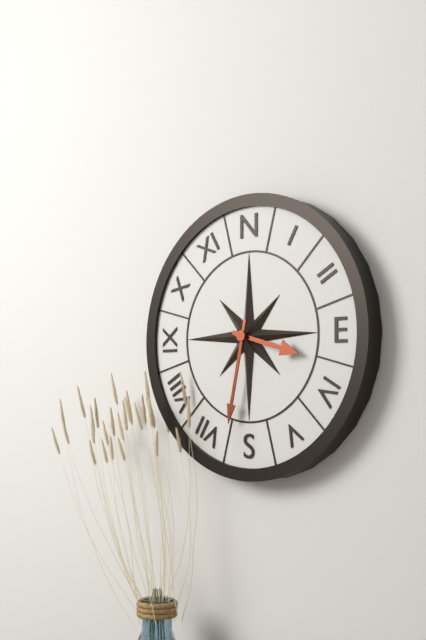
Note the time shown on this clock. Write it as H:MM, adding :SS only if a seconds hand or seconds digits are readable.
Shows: 3:32
